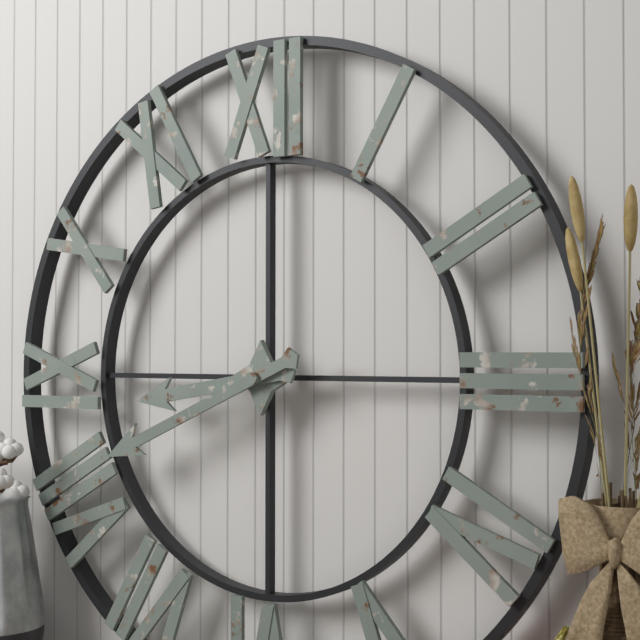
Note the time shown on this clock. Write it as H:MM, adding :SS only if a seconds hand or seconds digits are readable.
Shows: 8:41
